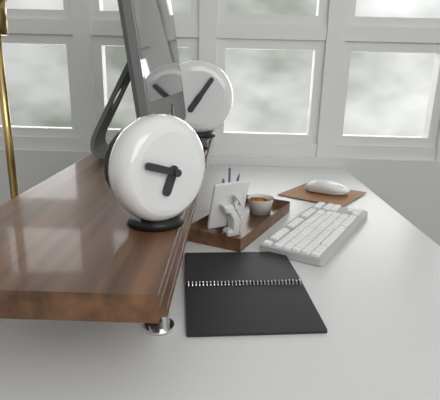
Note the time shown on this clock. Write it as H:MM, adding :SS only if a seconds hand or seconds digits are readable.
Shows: 6:48
